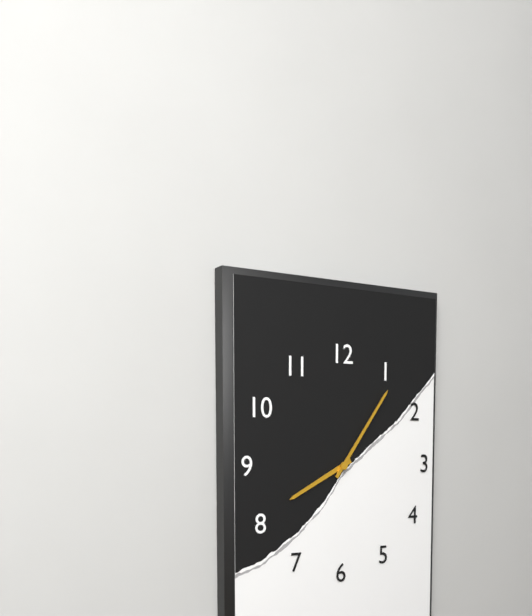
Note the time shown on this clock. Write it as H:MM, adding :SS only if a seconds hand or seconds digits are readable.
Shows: 8:06
